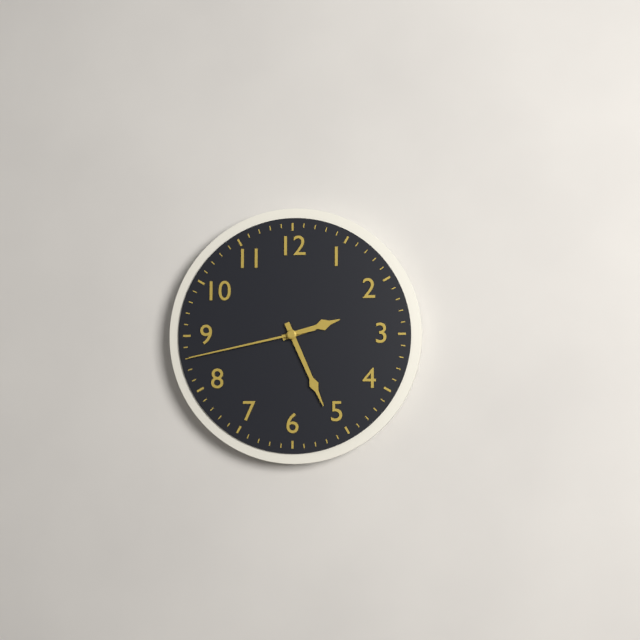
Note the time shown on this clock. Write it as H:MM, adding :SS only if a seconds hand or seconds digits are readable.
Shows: 2:26:43
